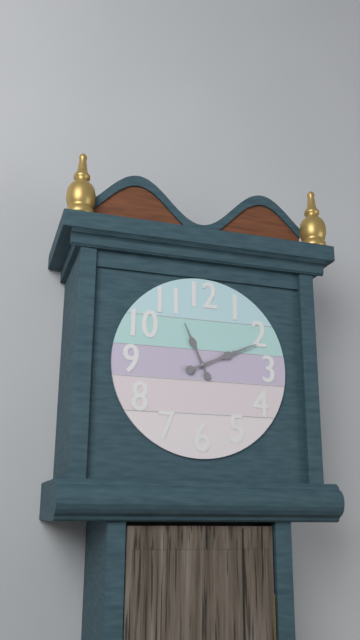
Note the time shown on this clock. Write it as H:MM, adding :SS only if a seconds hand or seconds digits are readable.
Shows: 11:11
